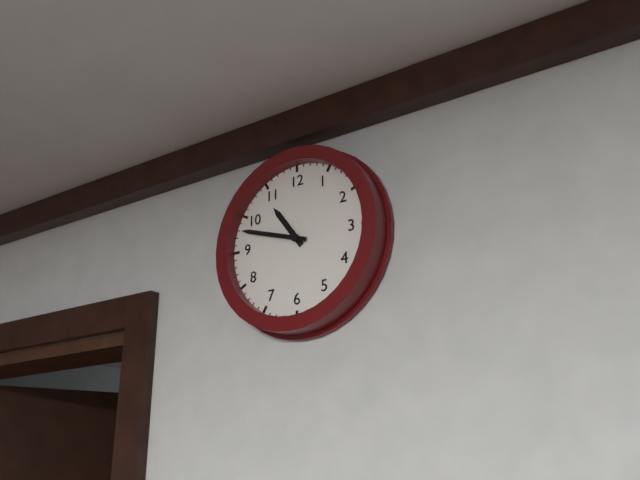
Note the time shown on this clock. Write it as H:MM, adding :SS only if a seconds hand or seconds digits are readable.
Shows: 10:48
